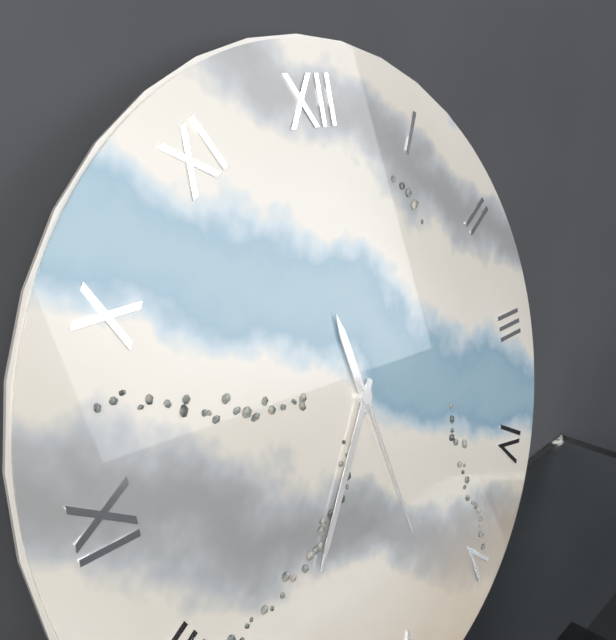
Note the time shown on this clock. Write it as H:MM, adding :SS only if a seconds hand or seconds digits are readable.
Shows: 11:36:28
